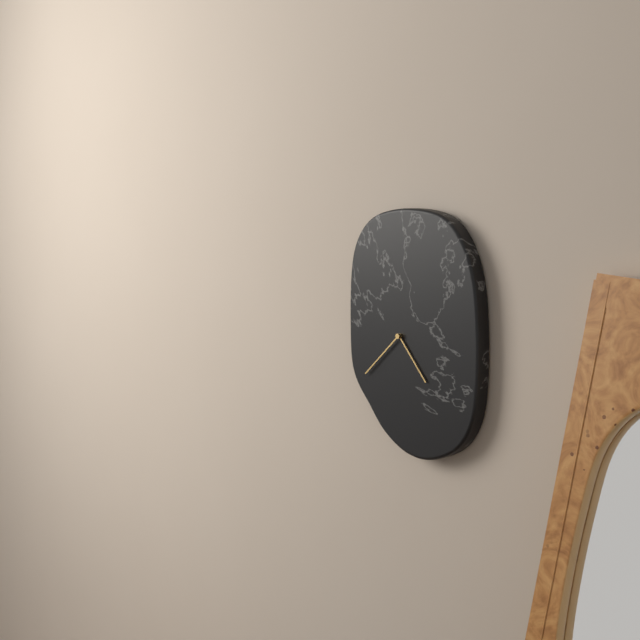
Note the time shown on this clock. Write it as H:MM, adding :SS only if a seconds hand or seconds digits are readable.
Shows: 4:38
